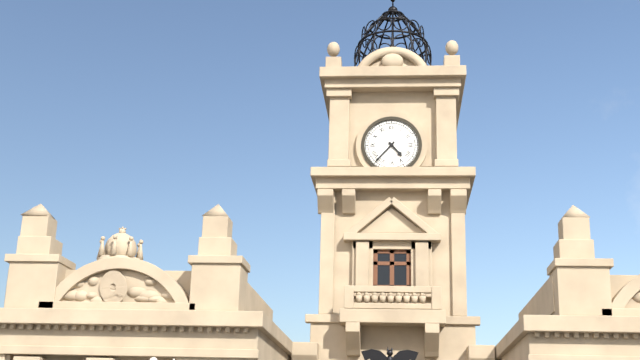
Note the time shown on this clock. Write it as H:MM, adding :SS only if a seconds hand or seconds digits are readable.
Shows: 4:37
